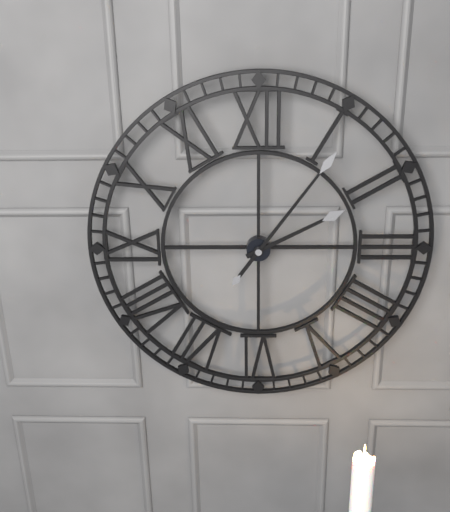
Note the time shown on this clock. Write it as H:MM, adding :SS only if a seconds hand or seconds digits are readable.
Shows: 2:06
